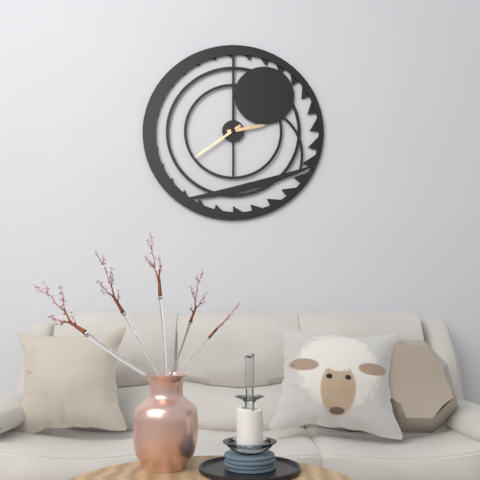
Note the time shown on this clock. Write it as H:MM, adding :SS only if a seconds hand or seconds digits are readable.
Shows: 2:39
